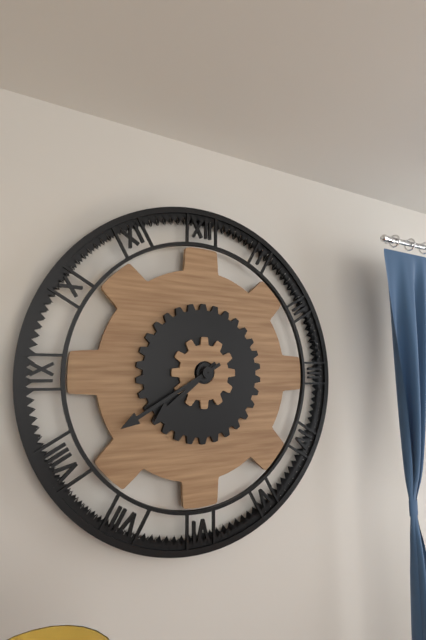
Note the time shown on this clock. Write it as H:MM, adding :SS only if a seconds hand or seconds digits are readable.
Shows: 7:40
